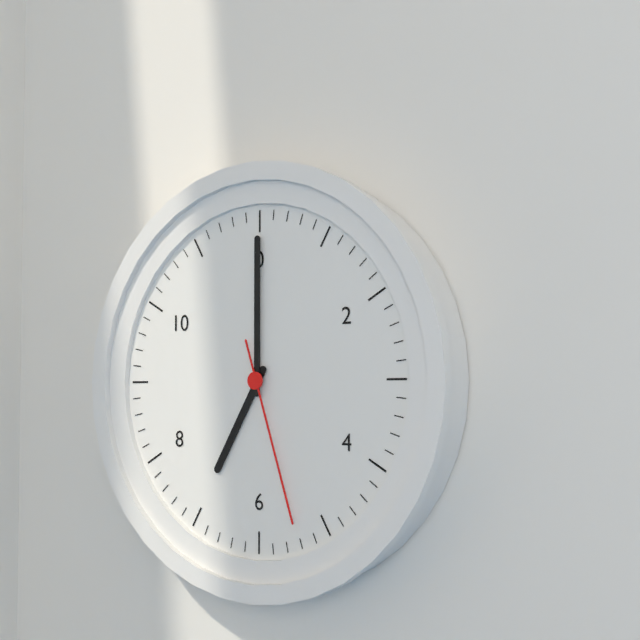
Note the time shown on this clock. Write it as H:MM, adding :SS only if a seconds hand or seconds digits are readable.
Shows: 7:00:27
